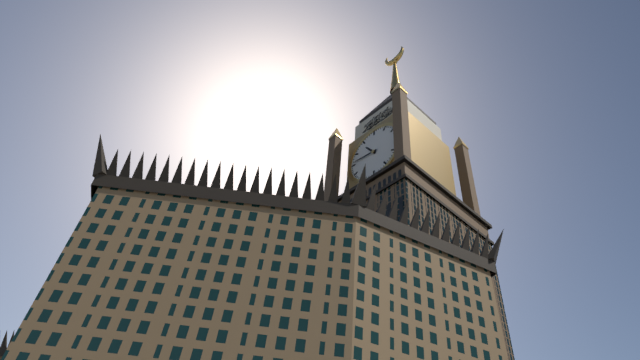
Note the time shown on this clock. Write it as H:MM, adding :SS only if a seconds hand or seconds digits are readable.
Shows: 10:46
